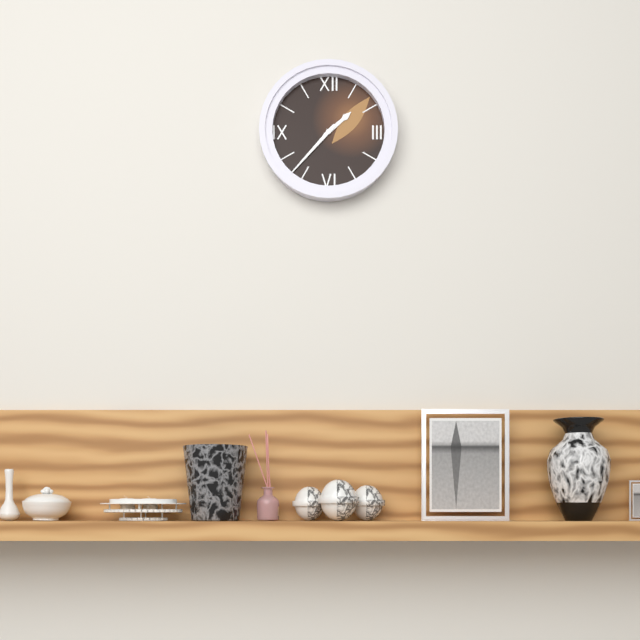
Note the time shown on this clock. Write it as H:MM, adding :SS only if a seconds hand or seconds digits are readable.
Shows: 1:37
